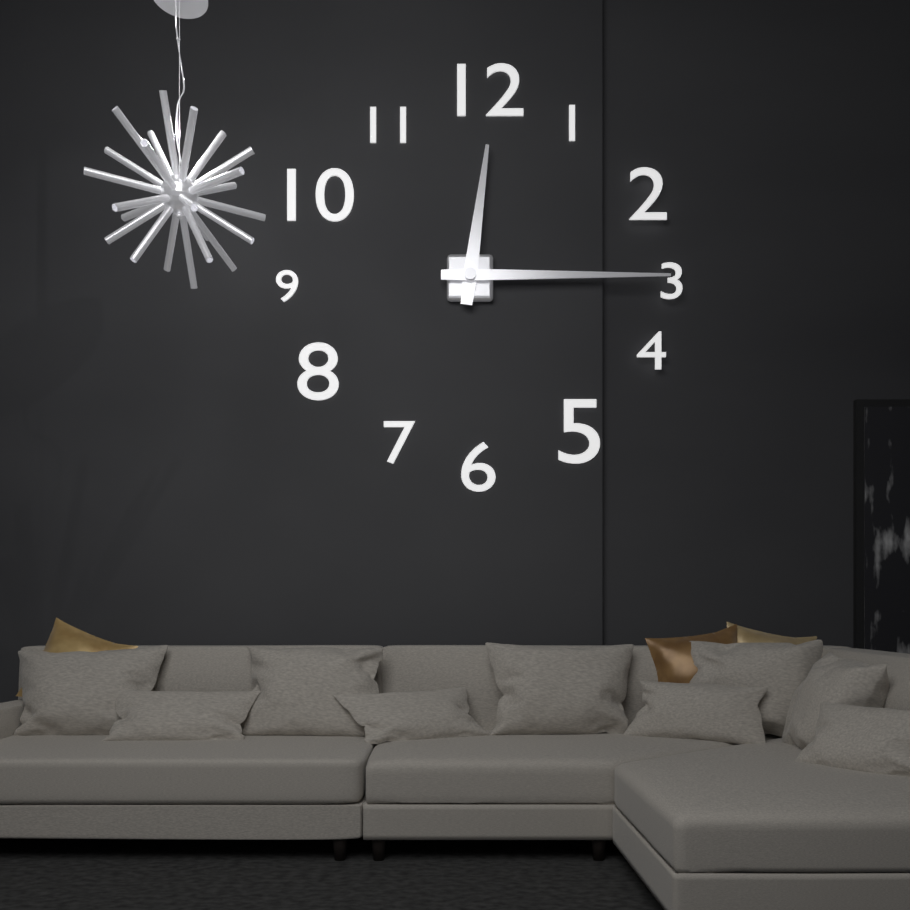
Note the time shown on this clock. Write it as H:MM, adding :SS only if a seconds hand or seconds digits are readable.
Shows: 12:15
